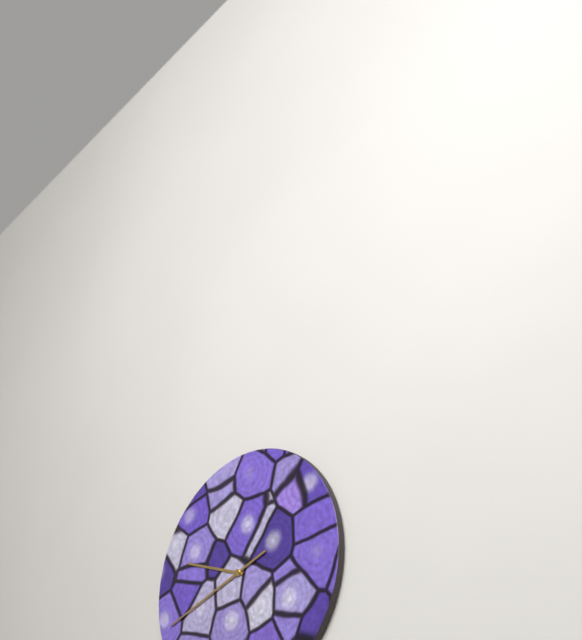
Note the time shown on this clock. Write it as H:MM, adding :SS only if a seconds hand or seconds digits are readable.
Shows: 9:42
